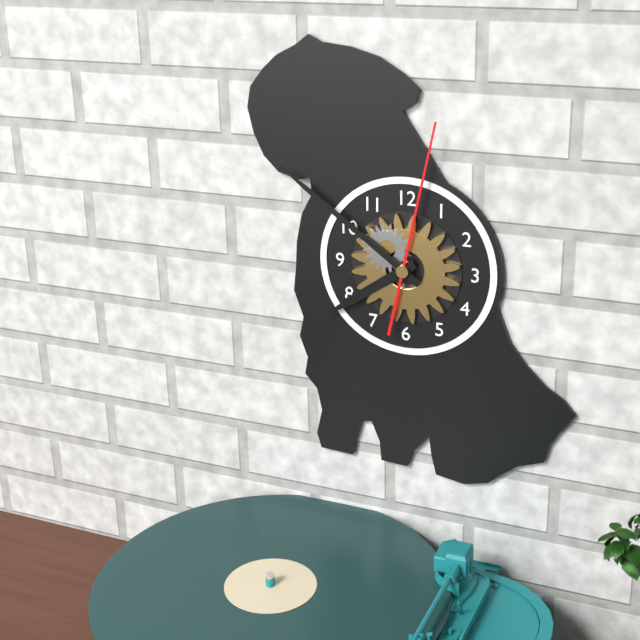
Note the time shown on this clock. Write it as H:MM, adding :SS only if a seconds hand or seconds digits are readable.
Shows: 7:51:02
